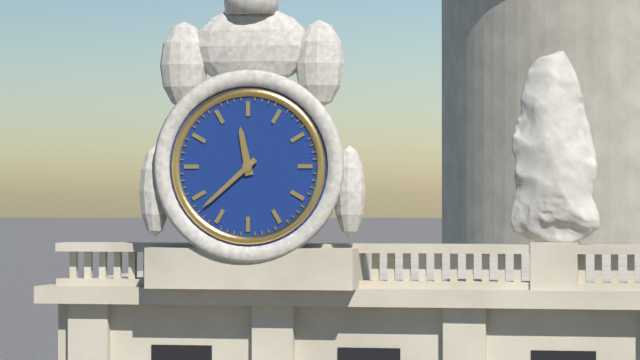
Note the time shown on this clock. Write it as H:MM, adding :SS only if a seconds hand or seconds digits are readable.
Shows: 11:38
